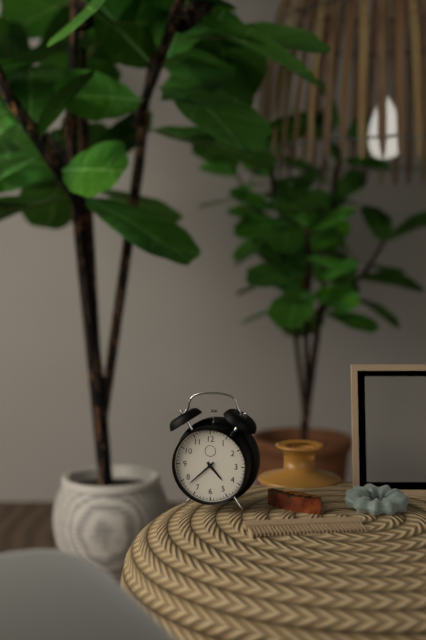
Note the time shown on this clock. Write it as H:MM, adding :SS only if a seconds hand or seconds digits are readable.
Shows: 4:38
